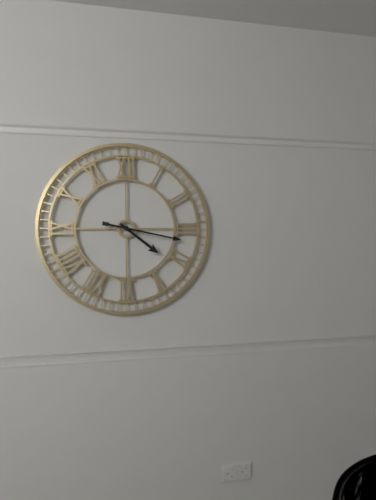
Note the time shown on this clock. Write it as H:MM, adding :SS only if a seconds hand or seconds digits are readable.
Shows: 4:17
